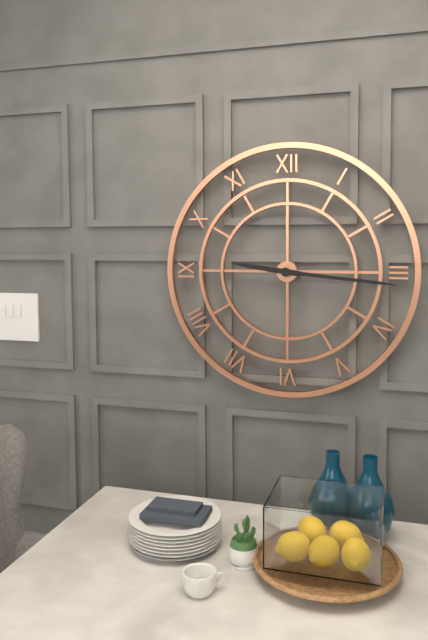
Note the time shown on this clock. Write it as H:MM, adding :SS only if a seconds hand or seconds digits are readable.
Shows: 9:16
